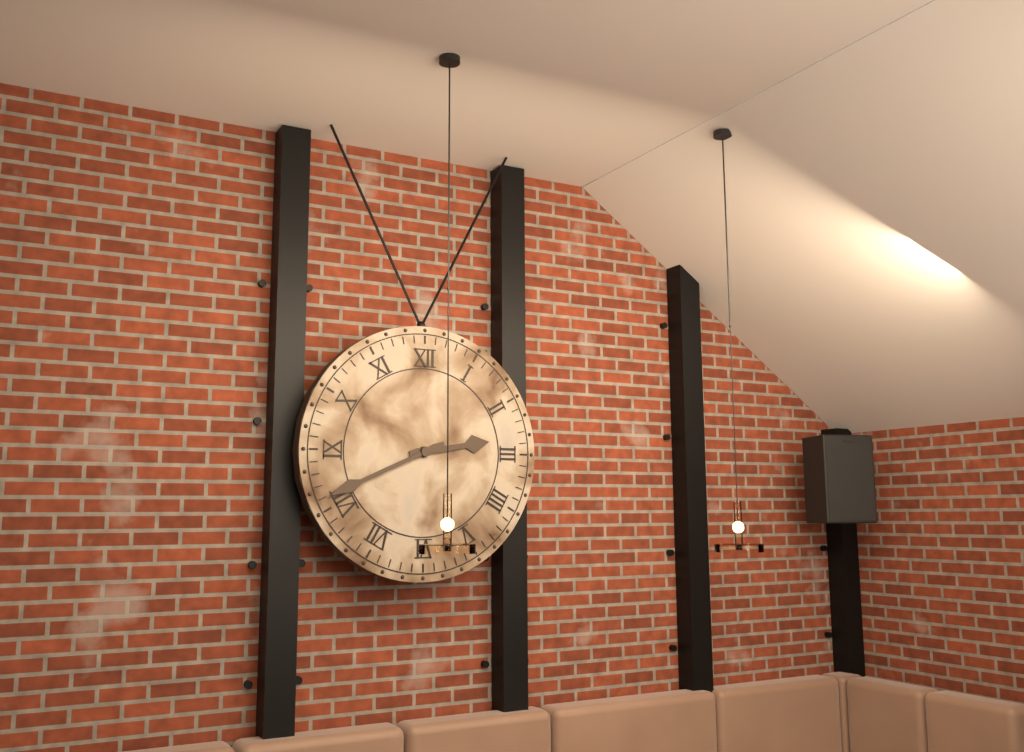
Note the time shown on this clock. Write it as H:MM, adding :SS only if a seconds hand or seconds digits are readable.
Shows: 2:41
